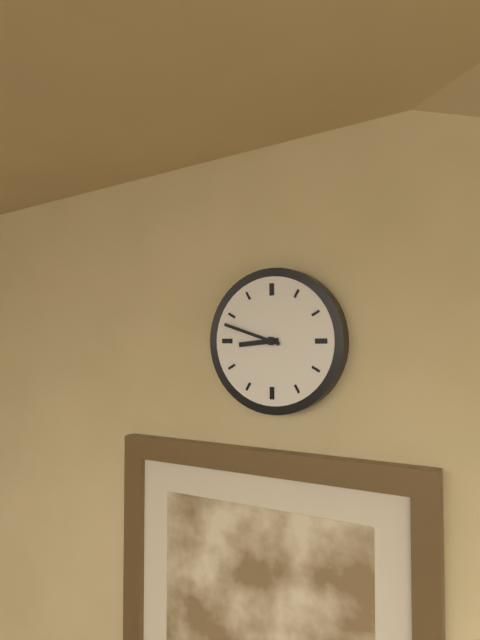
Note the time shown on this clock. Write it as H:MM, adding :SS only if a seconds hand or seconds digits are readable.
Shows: 8:48
